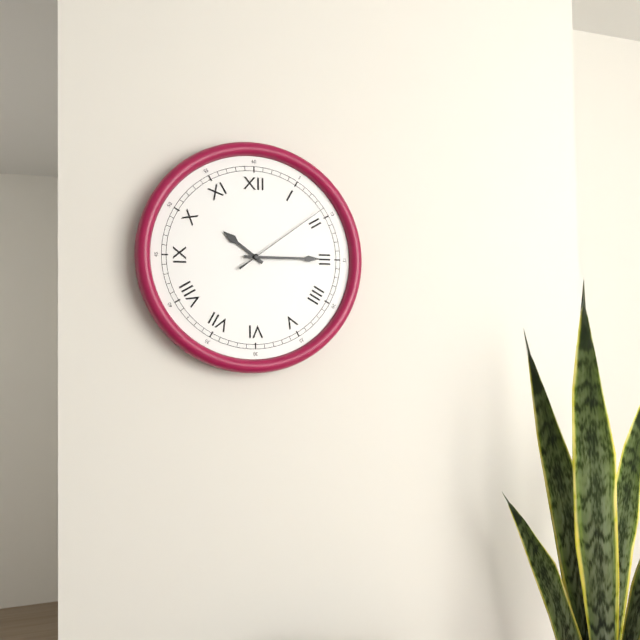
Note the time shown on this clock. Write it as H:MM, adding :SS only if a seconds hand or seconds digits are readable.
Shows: 10:15:09
